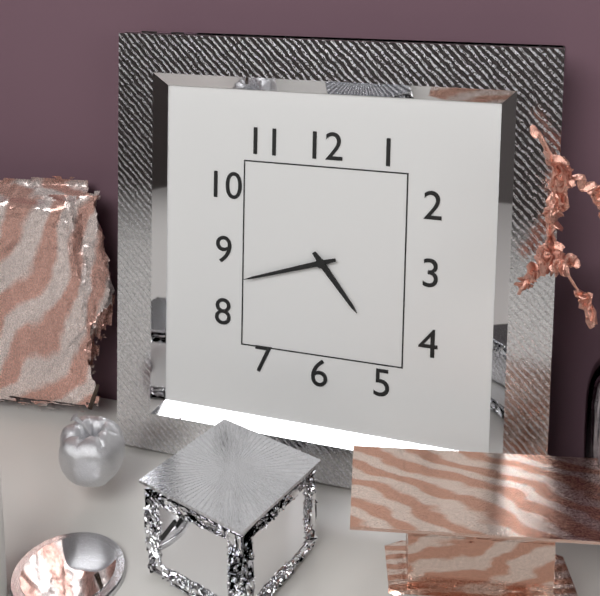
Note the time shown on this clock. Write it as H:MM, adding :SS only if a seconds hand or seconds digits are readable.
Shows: 4:42
